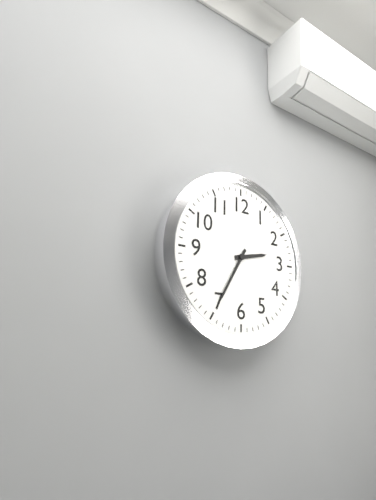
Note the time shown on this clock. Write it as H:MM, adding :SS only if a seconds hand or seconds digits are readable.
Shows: 2:35
